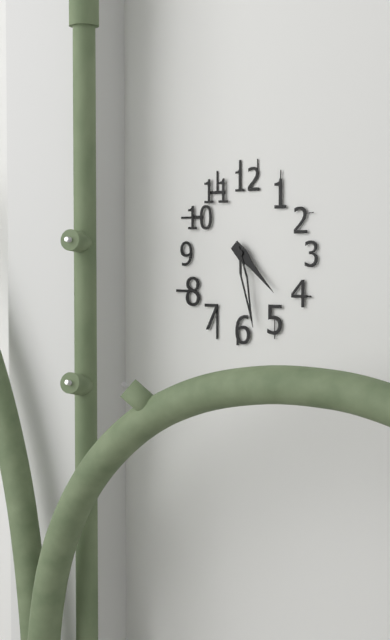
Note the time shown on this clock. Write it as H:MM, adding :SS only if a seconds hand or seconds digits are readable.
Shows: 4:28
